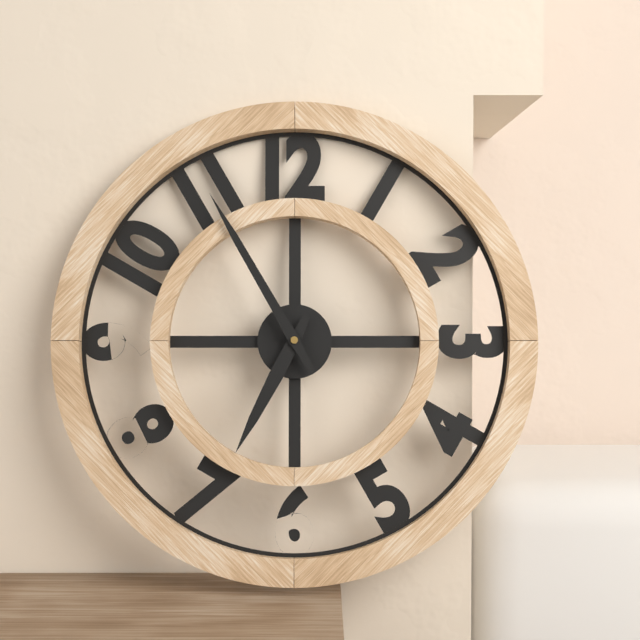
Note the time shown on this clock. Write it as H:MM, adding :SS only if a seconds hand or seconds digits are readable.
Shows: 6:55
